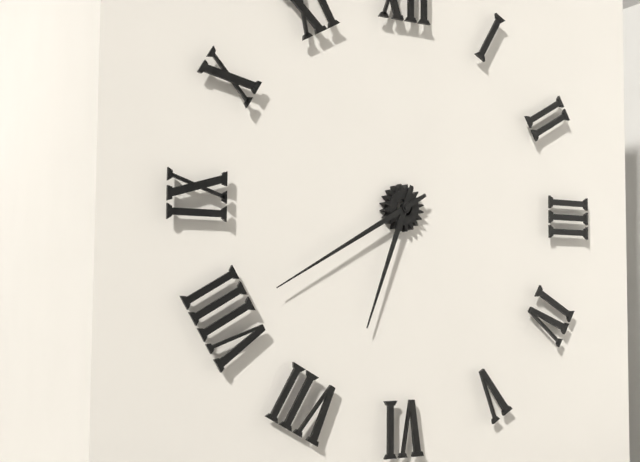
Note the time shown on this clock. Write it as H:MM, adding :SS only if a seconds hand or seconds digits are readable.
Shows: 6:40
